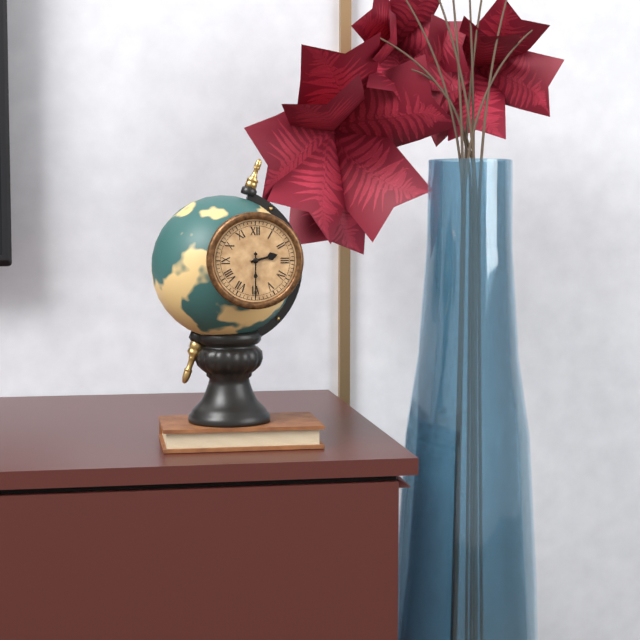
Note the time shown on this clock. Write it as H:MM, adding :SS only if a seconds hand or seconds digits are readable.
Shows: 2:30
